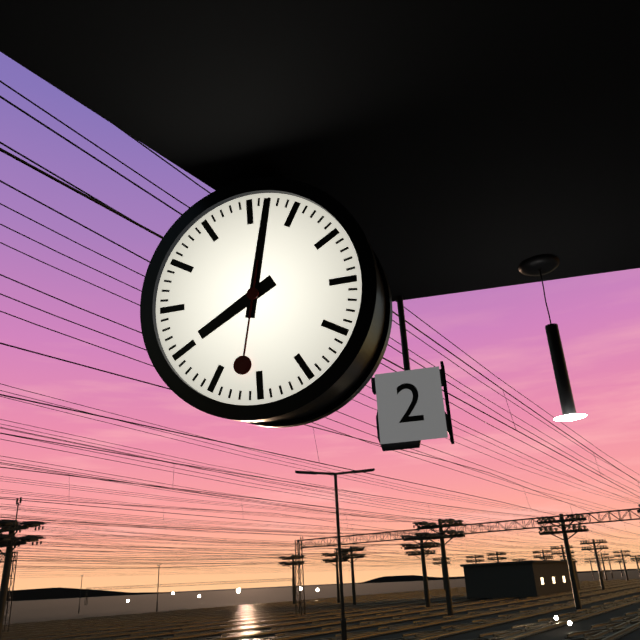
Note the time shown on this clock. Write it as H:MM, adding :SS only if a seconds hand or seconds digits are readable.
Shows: 8:02:32
